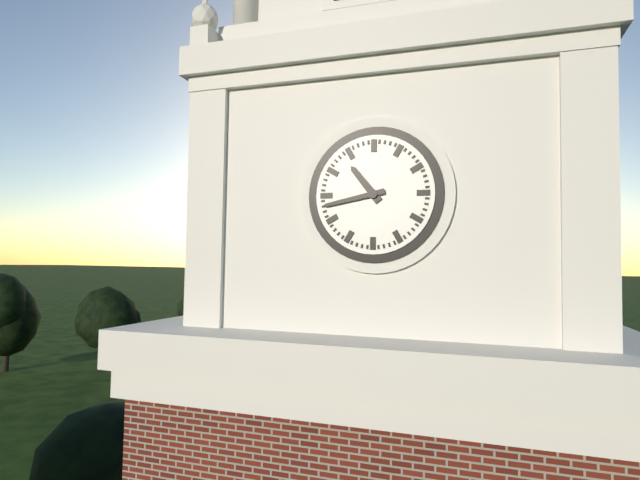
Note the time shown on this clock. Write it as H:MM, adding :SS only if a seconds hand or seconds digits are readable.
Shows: 10:43
